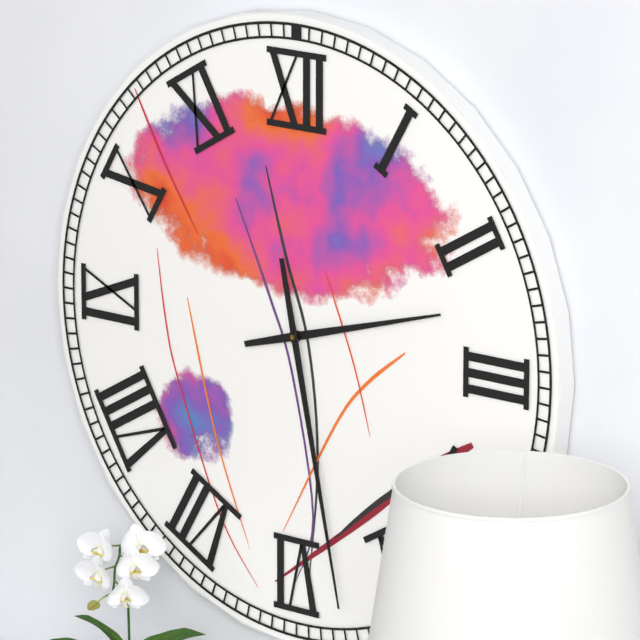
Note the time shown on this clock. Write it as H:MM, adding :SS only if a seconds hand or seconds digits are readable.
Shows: 2:28
